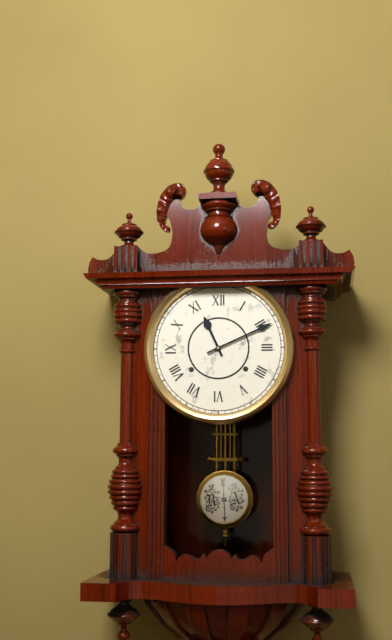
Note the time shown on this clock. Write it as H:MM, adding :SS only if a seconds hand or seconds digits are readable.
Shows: 11:11
